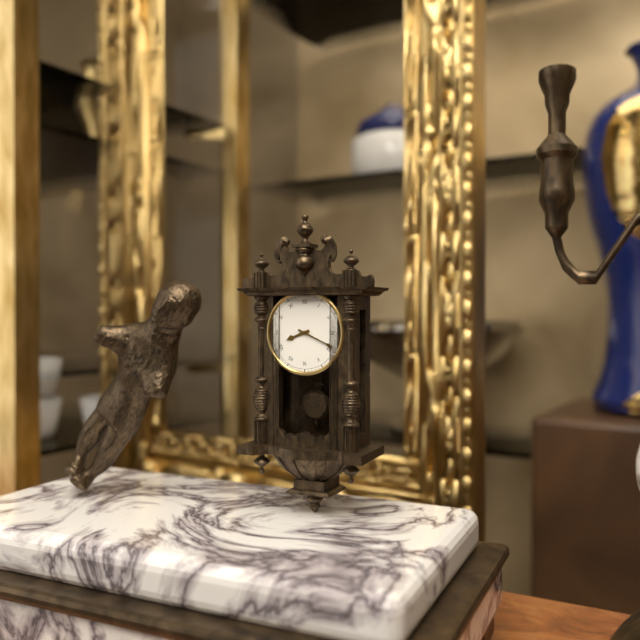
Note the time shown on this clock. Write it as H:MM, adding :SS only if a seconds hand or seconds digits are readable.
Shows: 8:19
